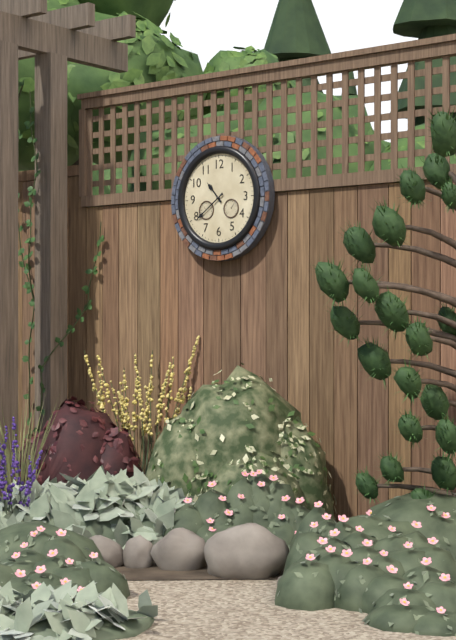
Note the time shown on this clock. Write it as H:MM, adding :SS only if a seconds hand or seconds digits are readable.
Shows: 10:39
